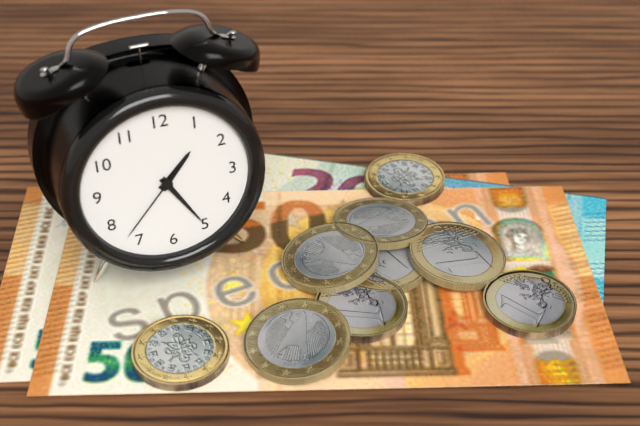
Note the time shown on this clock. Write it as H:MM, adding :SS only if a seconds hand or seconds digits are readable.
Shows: 1:25:37
